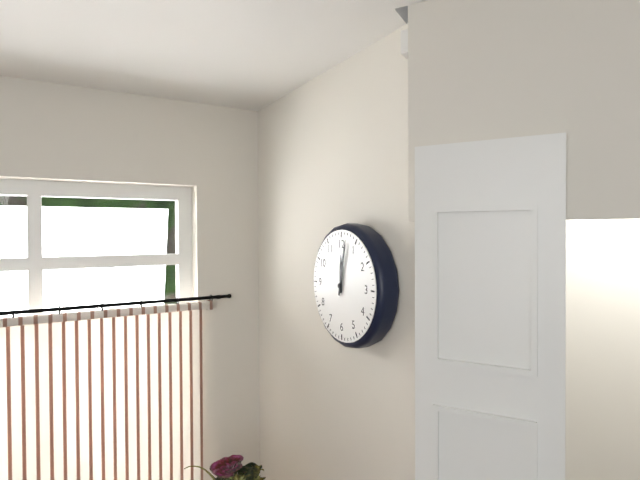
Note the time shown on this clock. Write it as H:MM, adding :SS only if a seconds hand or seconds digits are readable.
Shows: 12:02
